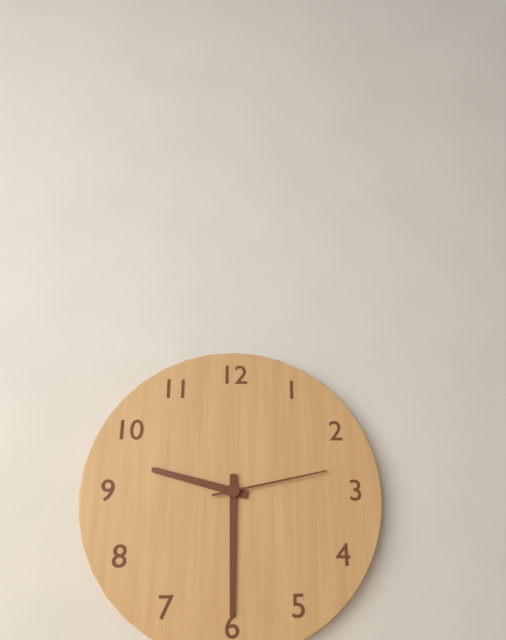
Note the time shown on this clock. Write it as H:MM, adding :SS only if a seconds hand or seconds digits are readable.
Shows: 9:30:13
